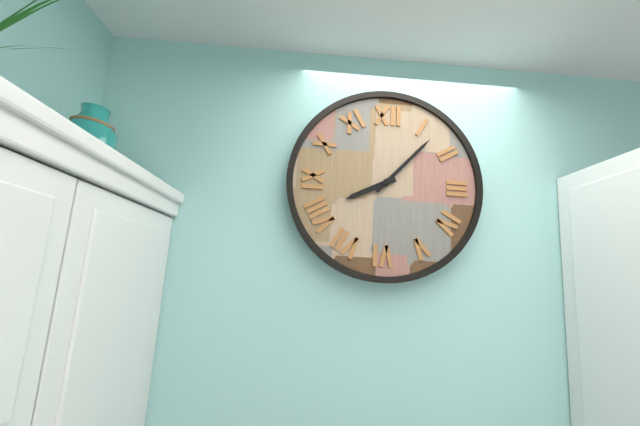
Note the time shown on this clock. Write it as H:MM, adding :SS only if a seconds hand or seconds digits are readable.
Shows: 8:07
